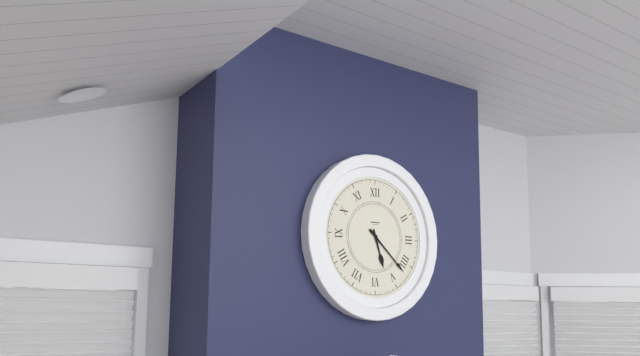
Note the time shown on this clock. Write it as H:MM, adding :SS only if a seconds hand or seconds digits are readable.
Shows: 5:22
